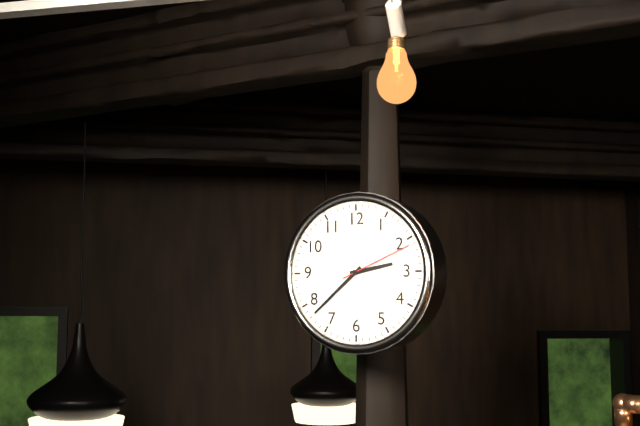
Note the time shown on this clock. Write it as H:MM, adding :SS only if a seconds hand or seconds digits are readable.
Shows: 2:38:11
